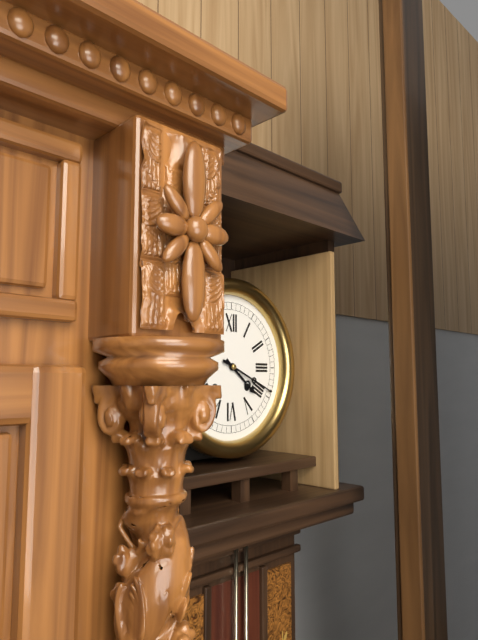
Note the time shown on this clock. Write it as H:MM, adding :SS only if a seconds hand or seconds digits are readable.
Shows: 4:19
